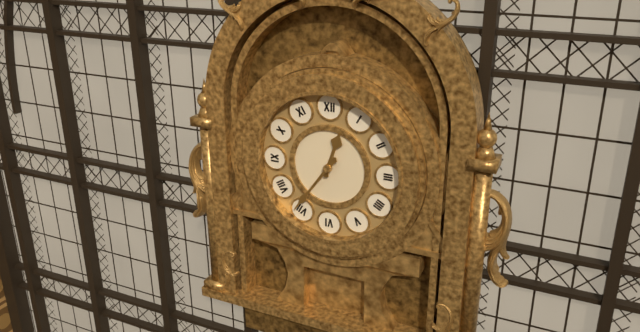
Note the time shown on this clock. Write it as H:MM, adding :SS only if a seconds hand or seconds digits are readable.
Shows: 12:36
